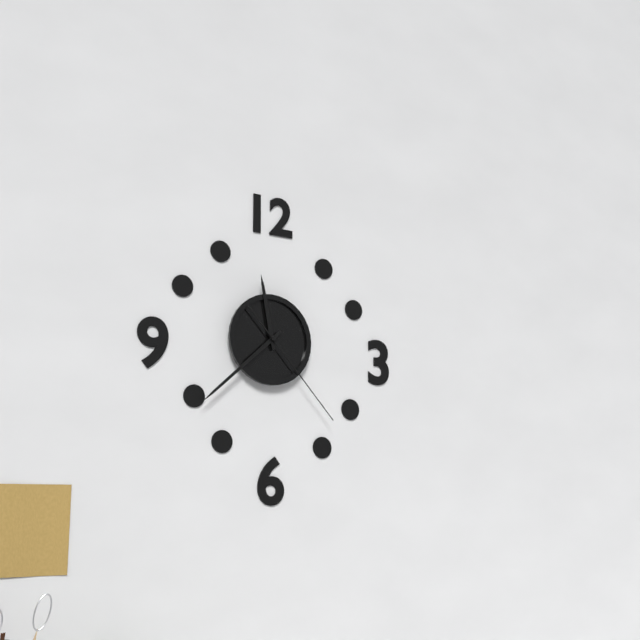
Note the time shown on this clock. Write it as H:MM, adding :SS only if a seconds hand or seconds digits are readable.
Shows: 11:38:23
